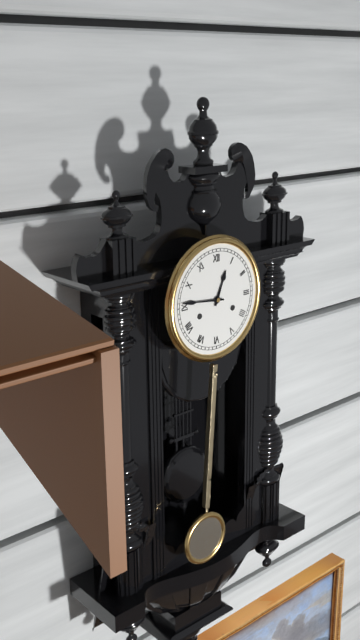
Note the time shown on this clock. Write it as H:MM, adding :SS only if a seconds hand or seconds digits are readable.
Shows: 12:46
